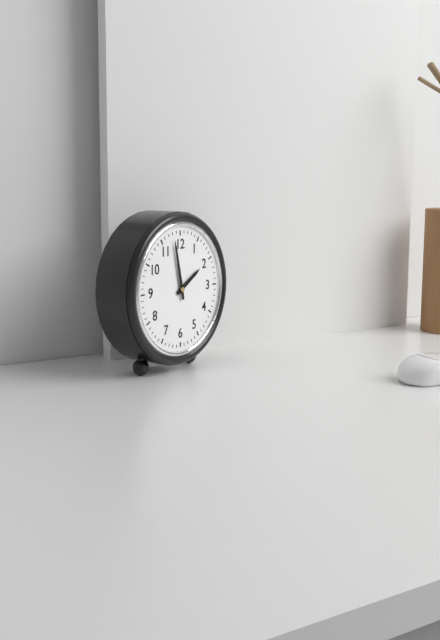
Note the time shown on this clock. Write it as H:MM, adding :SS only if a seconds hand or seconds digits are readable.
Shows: 1:58
